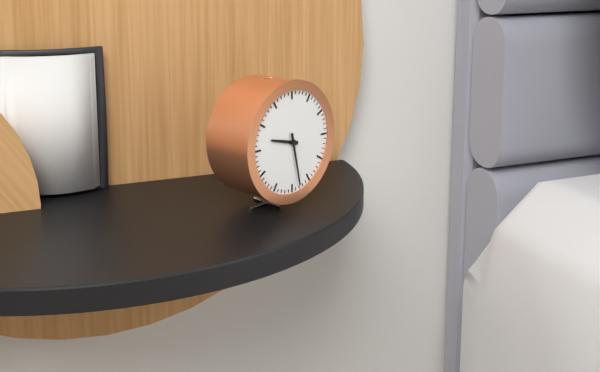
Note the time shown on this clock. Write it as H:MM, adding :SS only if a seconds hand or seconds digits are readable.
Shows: 9:28
